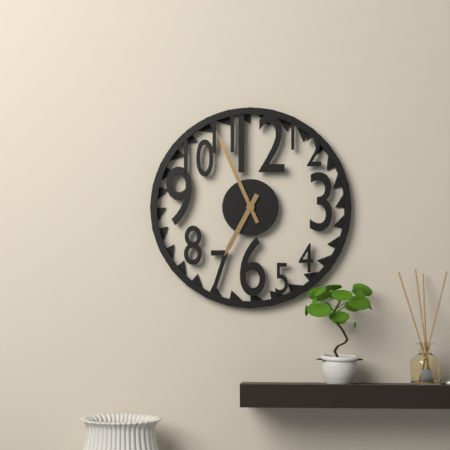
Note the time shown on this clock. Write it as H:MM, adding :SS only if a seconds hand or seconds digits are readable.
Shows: 6:56
